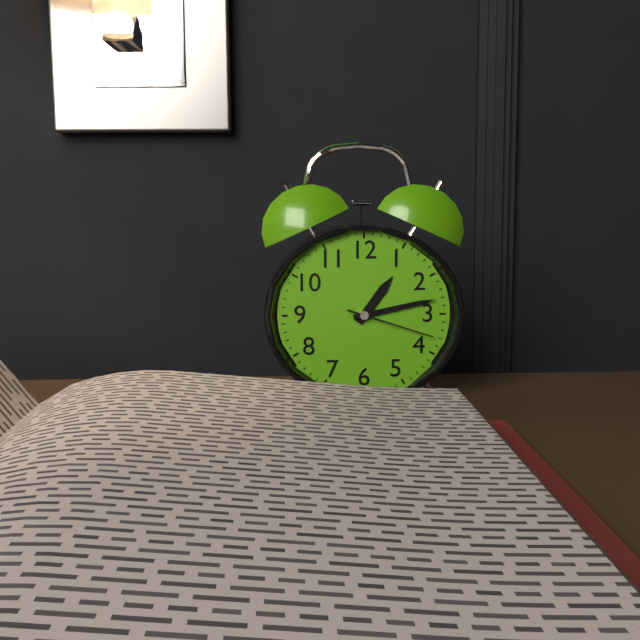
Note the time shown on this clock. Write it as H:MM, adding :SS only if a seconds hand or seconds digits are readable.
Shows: 1:13:18
